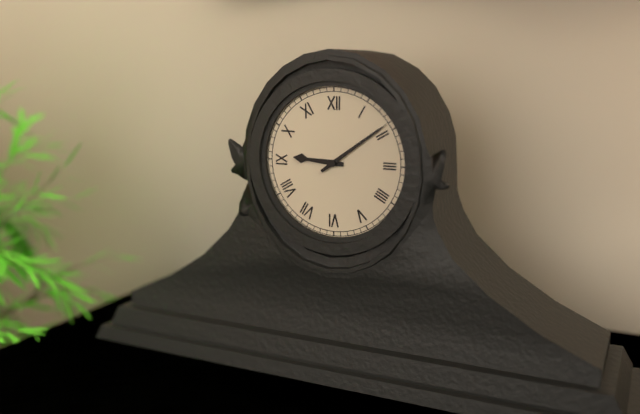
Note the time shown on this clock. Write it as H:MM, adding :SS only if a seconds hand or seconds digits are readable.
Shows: 9:09
